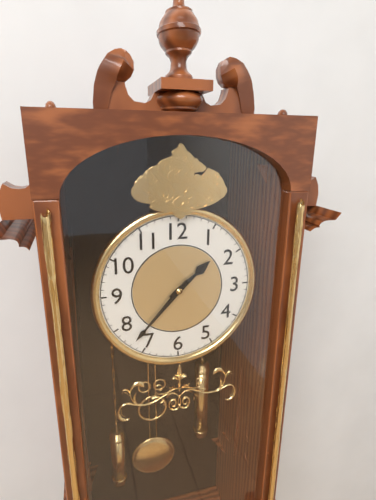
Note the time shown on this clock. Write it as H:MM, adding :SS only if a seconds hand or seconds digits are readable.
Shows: 1:37
